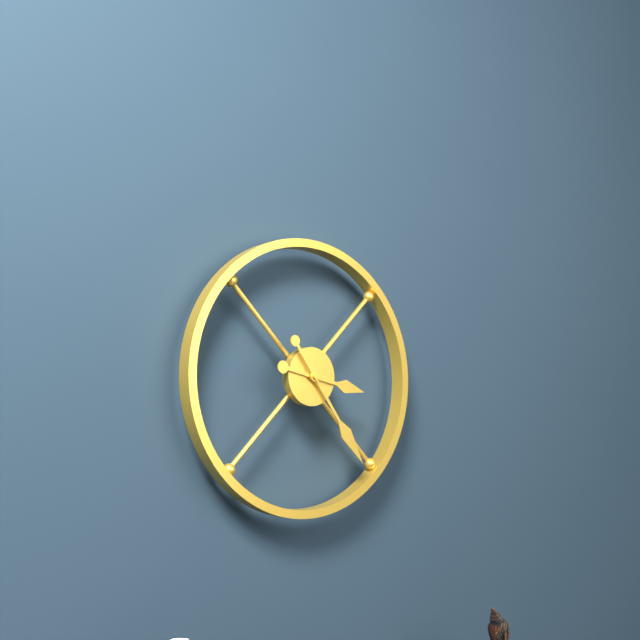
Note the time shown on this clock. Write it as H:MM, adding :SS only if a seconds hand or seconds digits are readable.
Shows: 3:24
